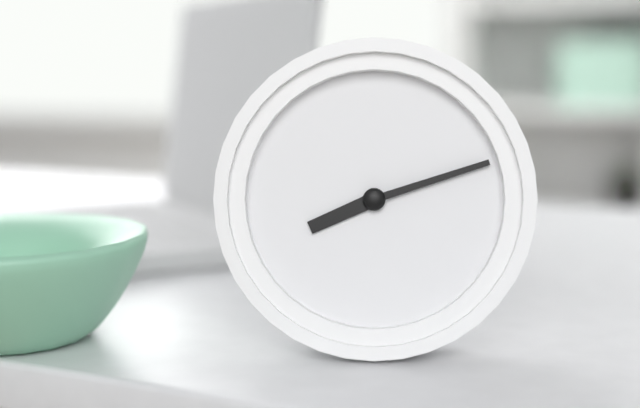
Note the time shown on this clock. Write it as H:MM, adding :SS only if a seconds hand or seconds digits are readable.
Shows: 8:12
